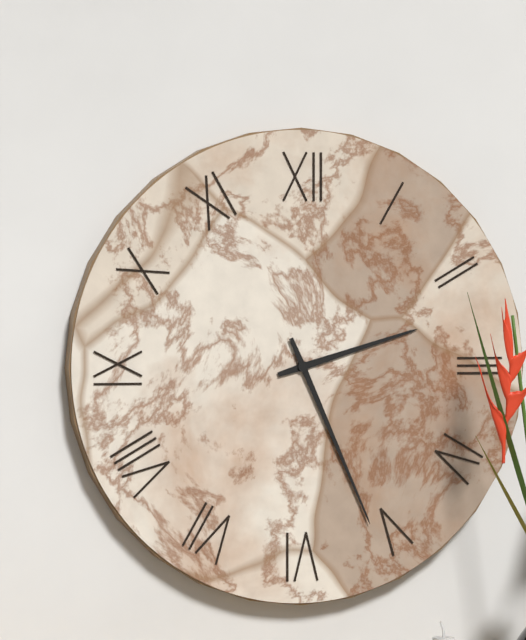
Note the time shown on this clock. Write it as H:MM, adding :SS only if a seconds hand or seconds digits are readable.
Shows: 2:26
